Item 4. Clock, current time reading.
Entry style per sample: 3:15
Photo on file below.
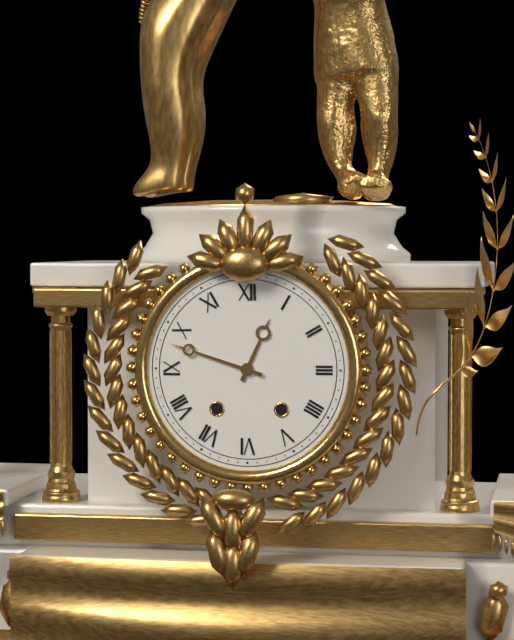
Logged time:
12:48
